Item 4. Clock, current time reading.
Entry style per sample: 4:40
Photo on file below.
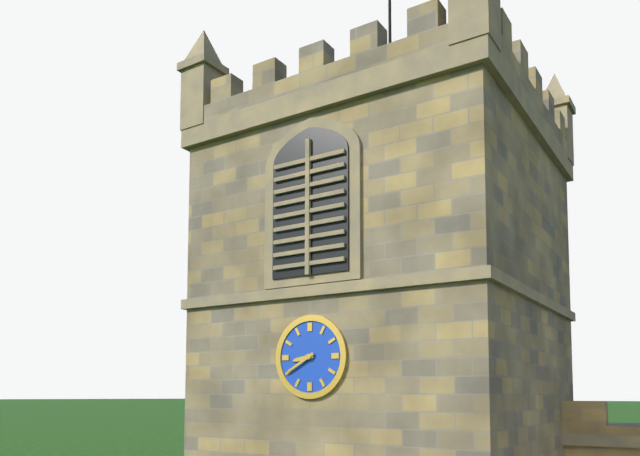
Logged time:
8:40
